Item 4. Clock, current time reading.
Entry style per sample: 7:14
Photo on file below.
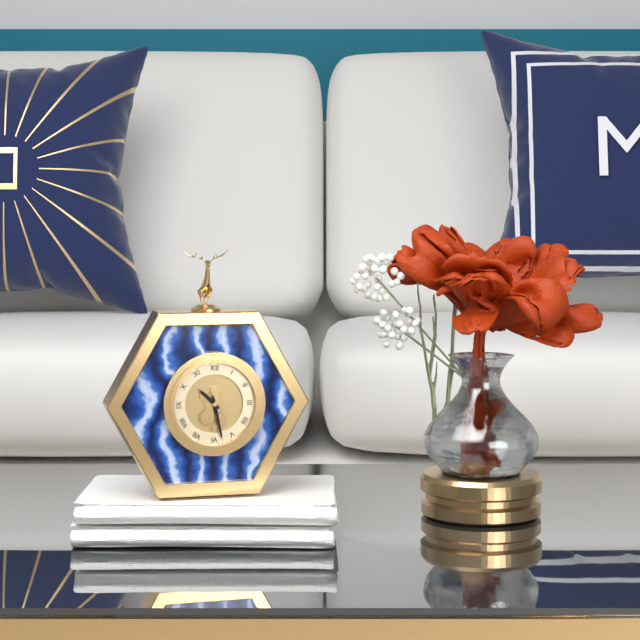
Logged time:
10:28
